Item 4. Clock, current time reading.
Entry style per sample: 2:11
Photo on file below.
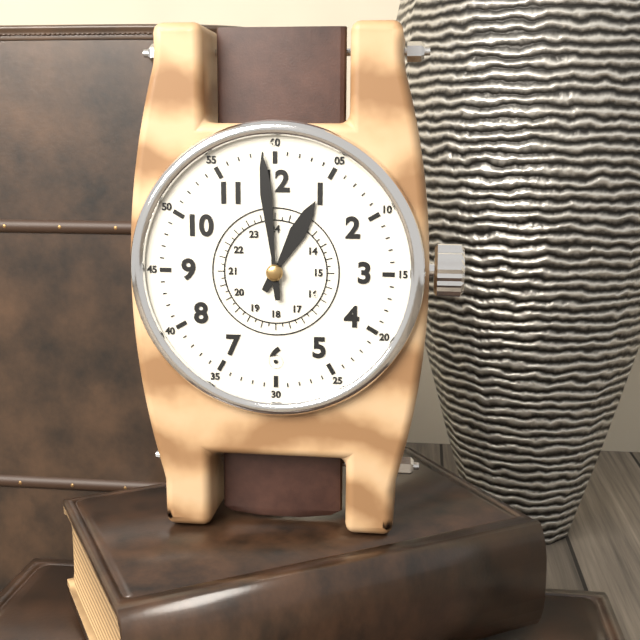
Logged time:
12:59
